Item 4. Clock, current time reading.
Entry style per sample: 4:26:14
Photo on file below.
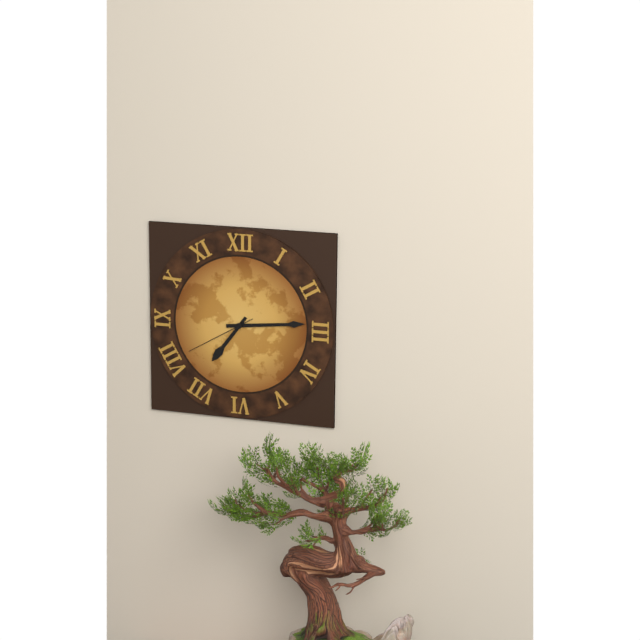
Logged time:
7:14:40
